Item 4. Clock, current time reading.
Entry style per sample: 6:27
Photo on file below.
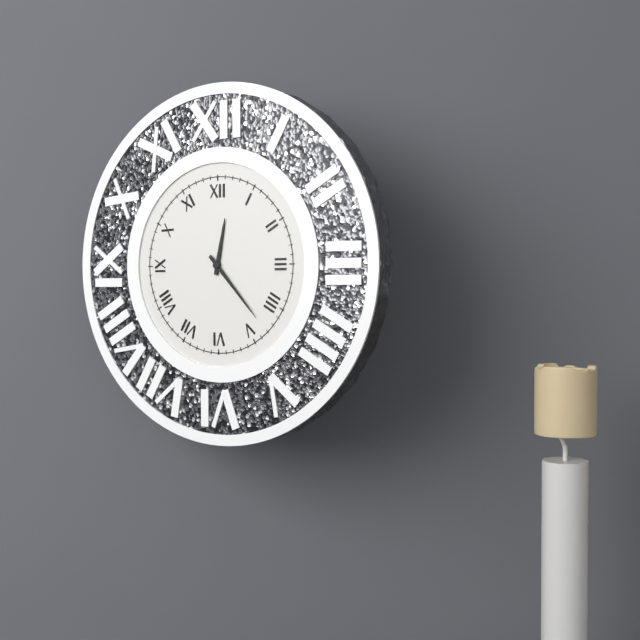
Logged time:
12:23
